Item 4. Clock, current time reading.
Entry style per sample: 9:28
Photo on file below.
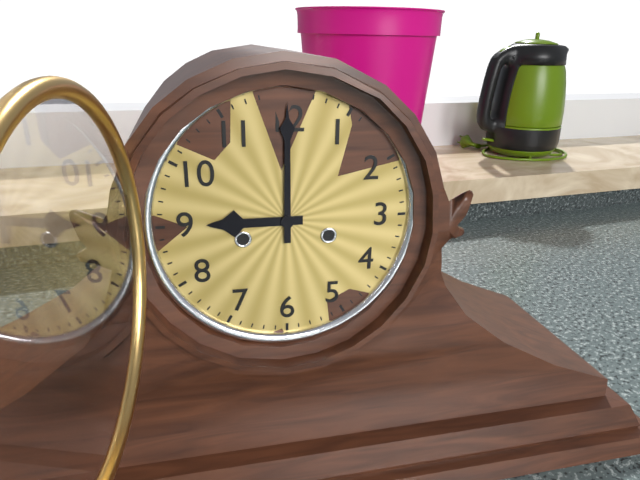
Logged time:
9:00
